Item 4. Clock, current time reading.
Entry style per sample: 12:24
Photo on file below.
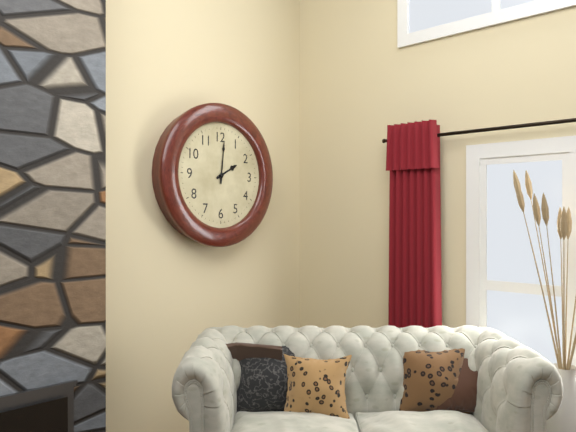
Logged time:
2:01
